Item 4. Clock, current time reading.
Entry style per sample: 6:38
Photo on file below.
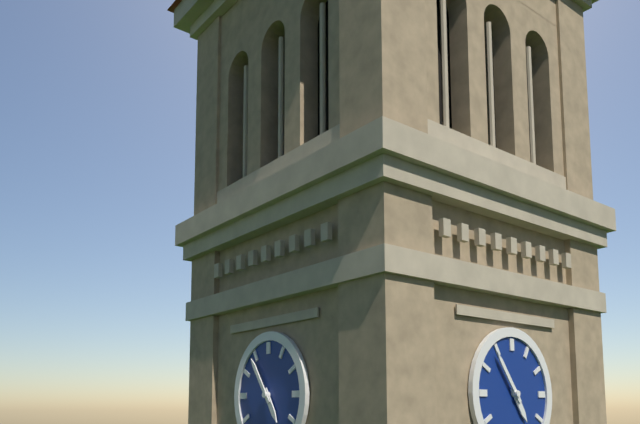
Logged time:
4:54
